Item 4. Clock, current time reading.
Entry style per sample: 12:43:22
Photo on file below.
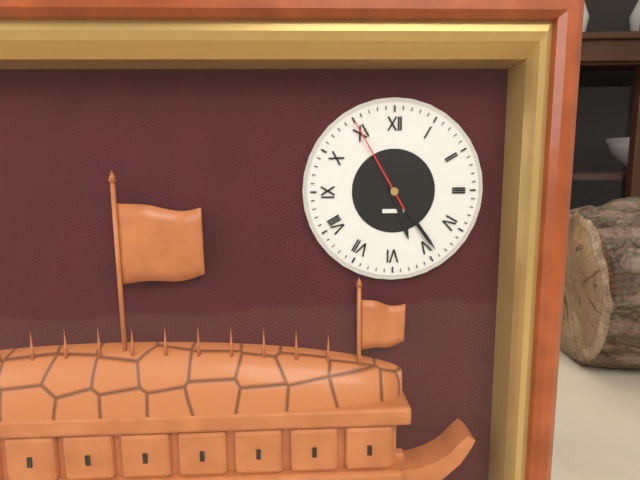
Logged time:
5:24:55
